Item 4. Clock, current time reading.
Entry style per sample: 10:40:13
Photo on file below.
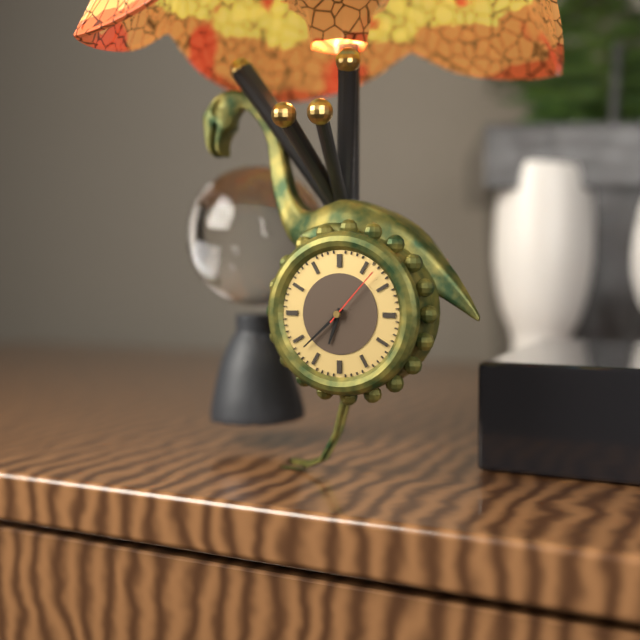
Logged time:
6:38:07
